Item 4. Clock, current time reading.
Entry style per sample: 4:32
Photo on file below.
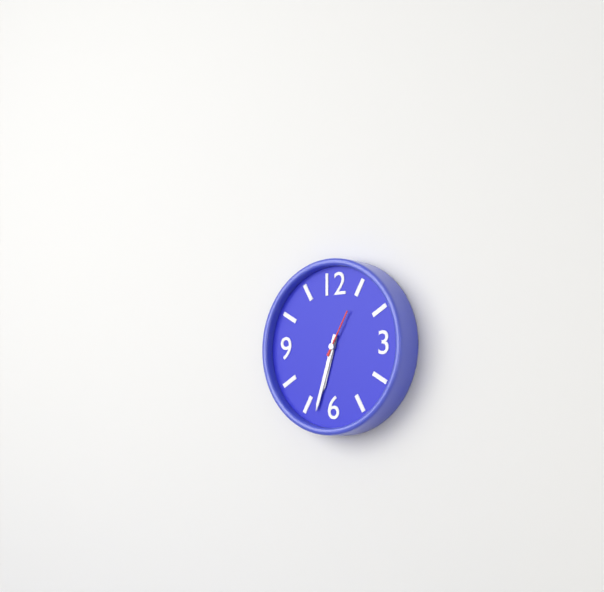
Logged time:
6:33
